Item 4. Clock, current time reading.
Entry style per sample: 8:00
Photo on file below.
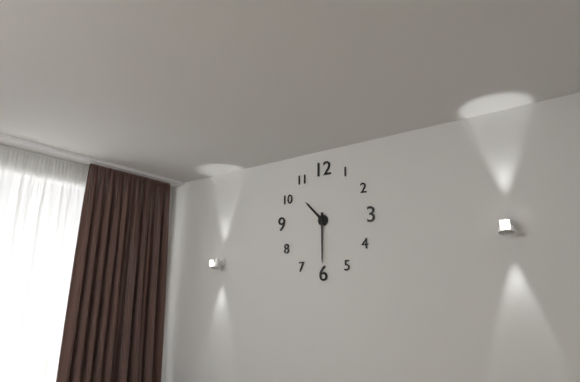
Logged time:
10:30
